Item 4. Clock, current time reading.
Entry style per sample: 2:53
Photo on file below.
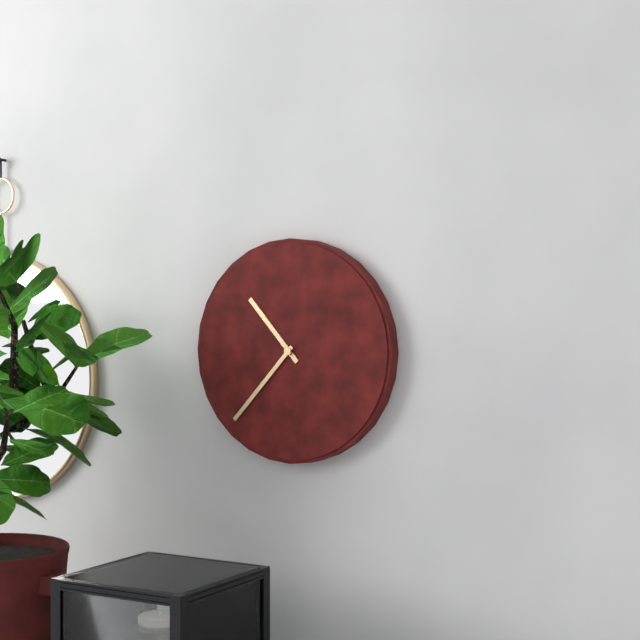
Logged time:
10:37
